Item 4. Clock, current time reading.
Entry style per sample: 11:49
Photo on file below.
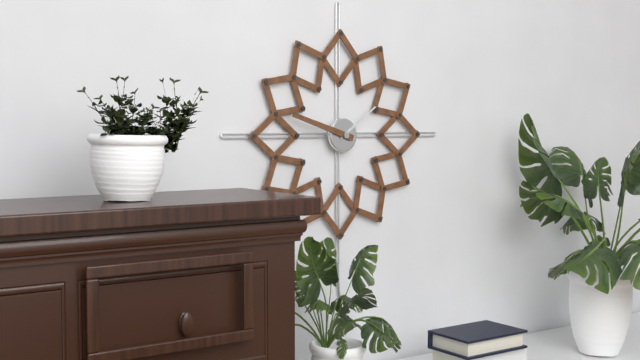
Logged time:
1:48
